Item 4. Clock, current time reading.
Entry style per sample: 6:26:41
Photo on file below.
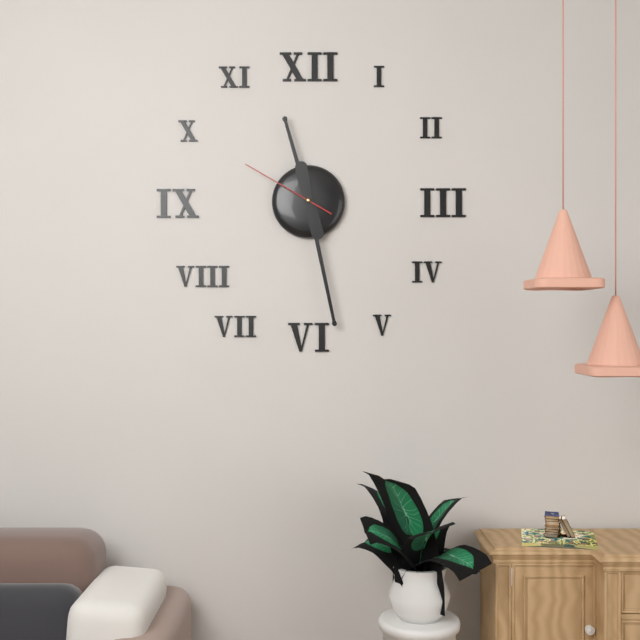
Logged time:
11:28:50
